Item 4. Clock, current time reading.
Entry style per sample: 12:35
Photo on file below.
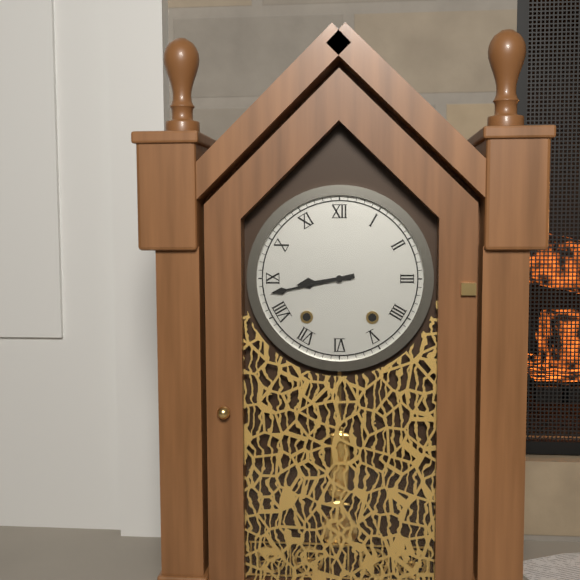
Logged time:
8:43
